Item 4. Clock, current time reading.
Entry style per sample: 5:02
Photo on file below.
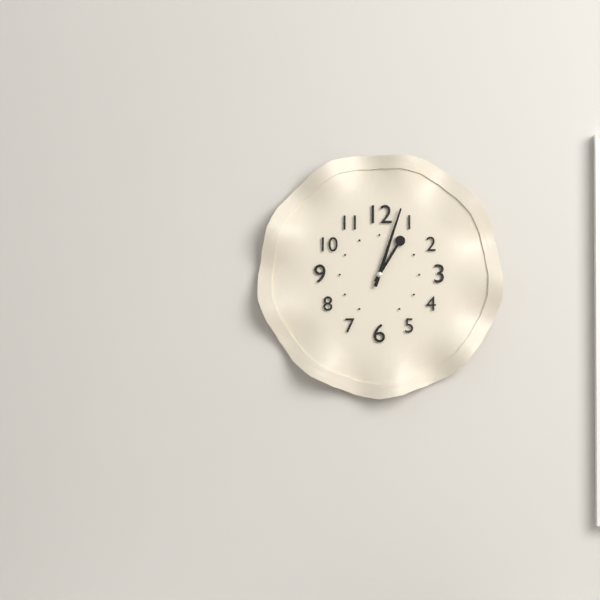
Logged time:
1:03
